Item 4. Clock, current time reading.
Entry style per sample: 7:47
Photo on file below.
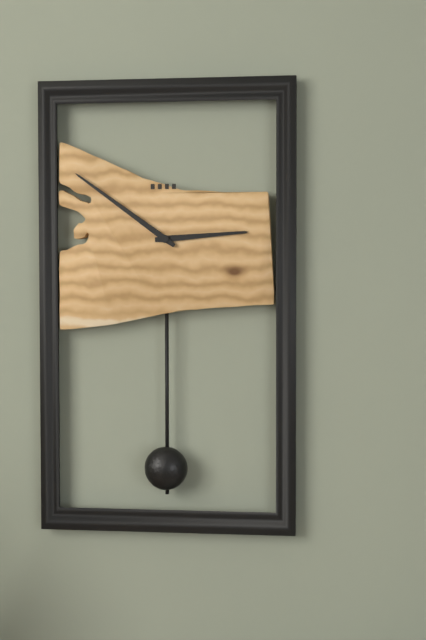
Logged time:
2:51
